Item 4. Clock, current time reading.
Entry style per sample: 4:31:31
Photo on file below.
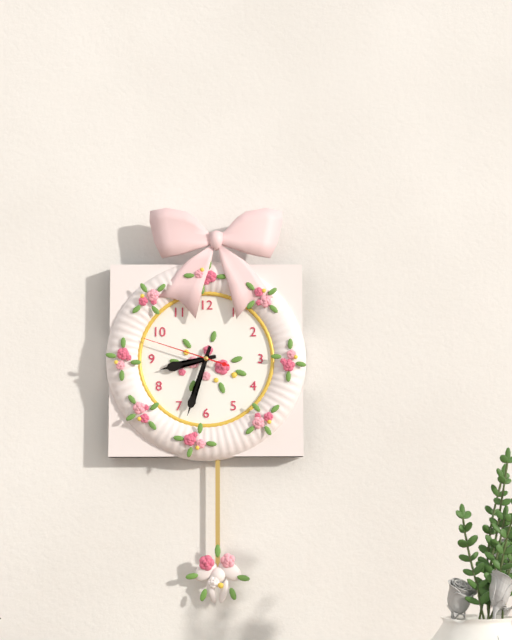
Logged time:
8:33:48
